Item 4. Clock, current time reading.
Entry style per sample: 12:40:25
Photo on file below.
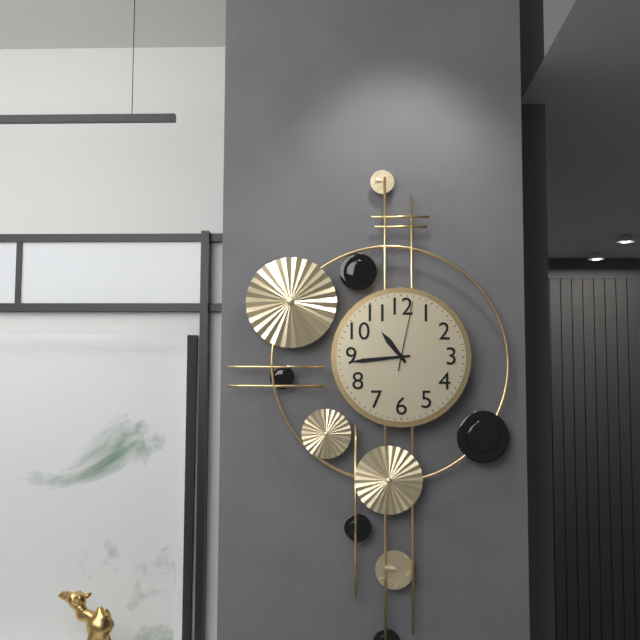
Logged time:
10:44:02
